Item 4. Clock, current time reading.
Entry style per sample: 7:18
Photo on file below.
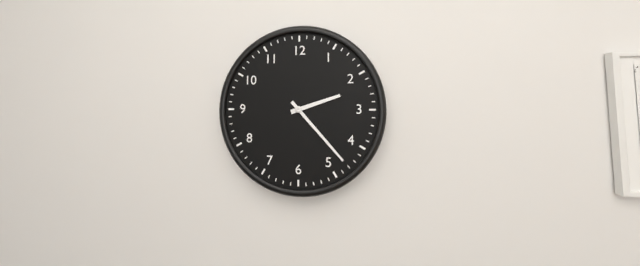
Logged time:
2:23
